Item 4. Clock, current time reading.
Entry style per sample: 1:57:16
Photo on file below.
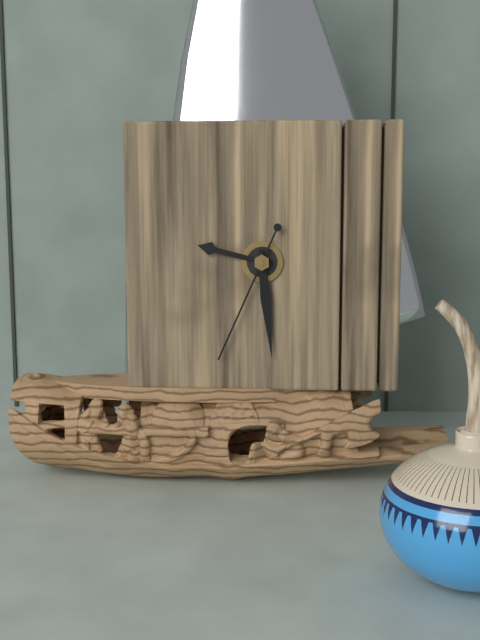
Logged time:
9:29:34
